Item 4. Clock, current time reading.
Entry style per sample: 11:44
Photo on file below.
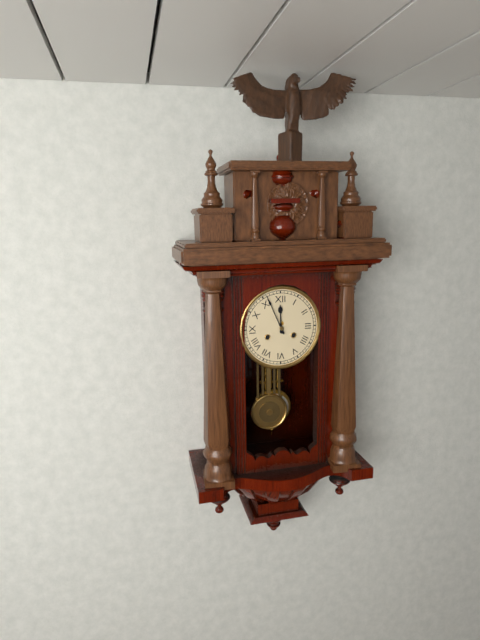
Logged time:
11:56
